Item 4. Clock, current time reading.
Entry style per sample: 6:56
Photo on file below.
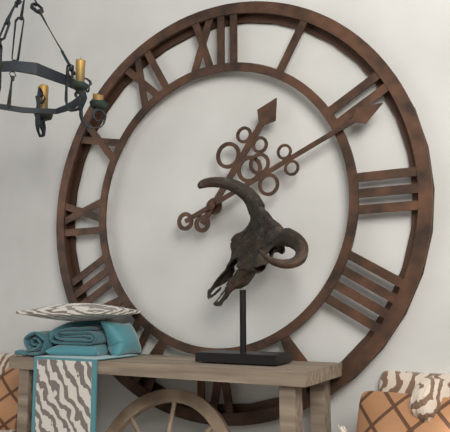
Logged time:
1:11
